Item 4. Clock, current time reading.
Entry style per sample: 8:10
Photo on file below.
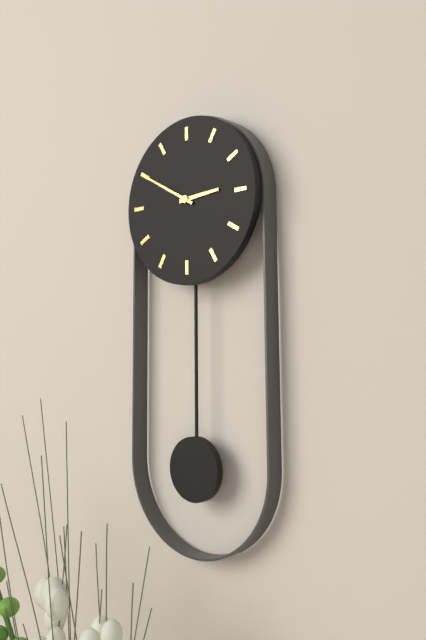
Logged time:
2:50
